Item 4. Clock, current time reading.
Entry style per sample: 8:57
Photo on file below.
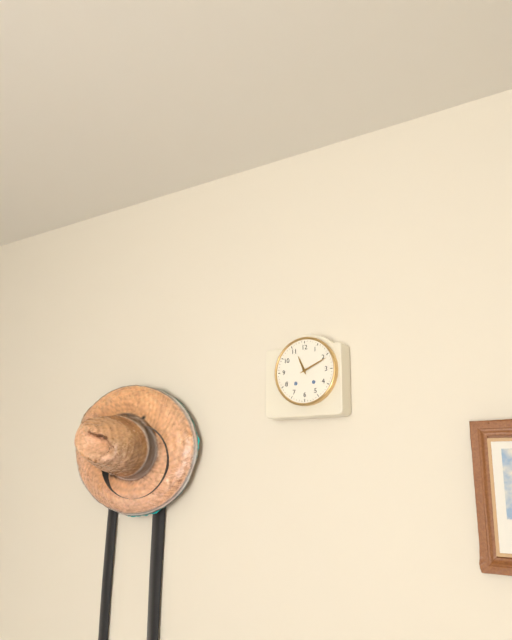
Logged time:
11:11
